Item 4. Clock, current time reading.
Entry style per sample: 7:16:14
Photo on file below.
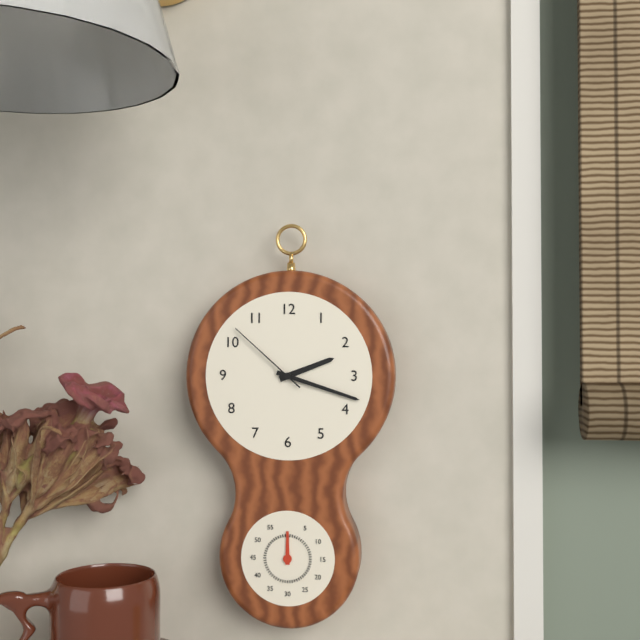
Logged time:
2:18:52
